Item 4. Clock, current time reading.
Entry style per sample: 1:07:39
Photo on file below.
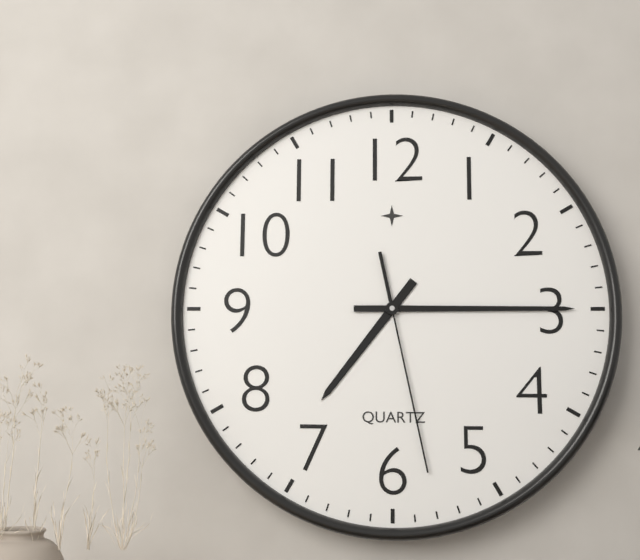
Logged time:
7:15:28
